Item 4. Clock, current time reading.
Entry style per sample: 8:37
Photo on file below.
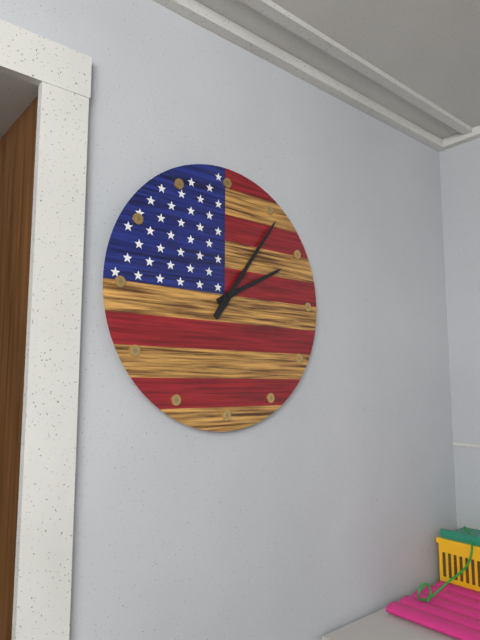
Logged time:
2:06
